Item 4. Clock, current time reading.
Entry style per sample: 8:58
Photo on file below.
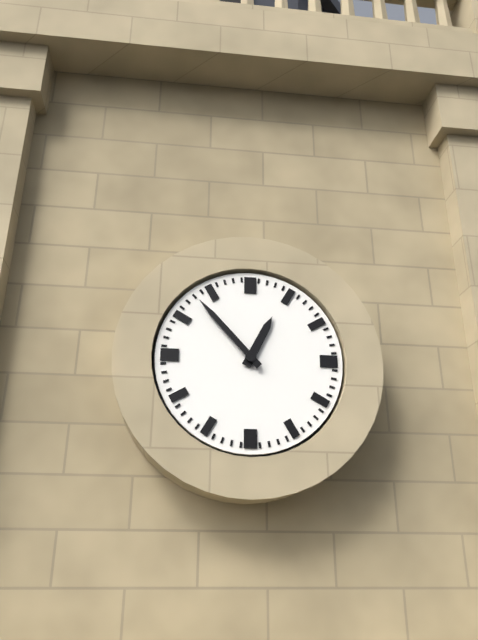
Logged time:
12:53
